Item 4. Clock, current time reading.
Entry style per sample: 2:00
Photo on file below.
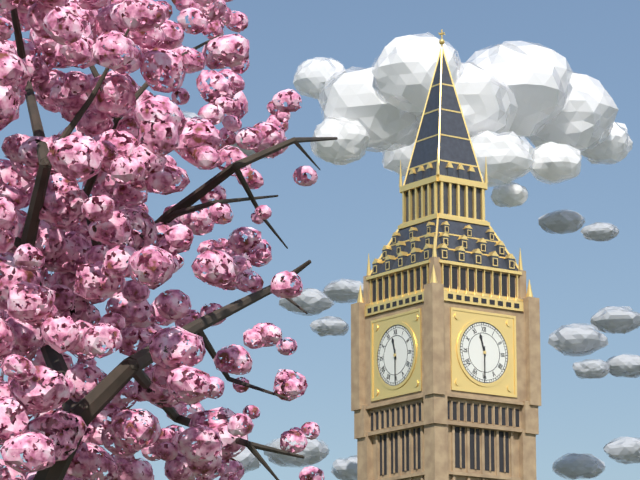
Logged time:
11:30
